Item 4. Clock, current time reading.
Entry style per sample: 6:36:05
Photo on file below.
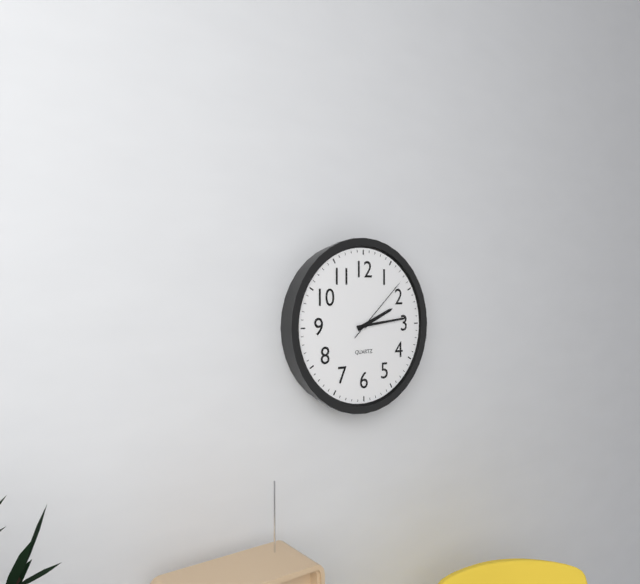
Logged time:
2:14:08
